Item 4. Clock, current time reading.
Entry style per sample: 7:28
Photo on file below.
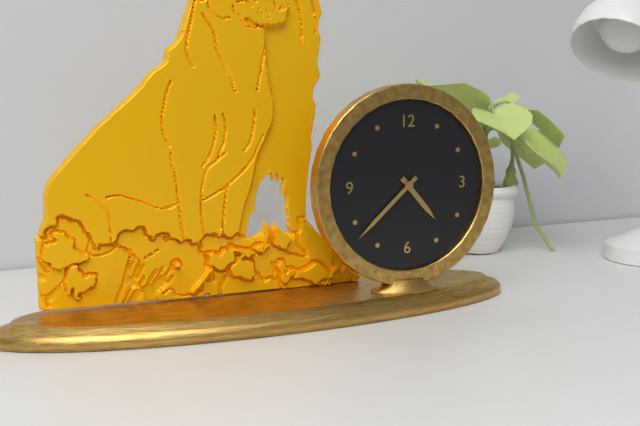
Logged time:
4:38
